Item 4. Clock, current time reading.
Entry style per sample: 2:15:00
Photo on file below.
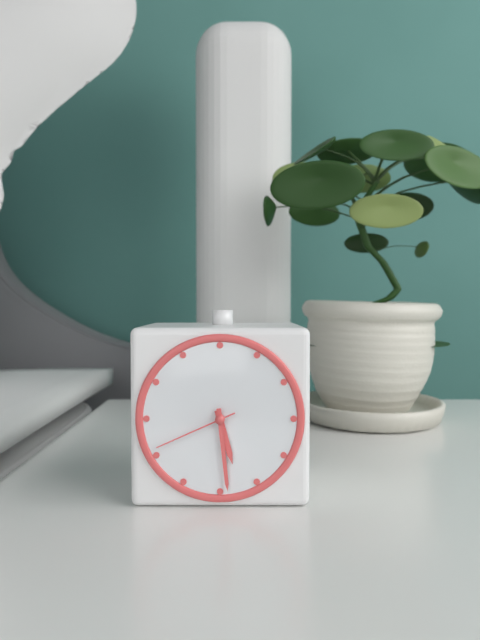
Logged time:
5:29:41
